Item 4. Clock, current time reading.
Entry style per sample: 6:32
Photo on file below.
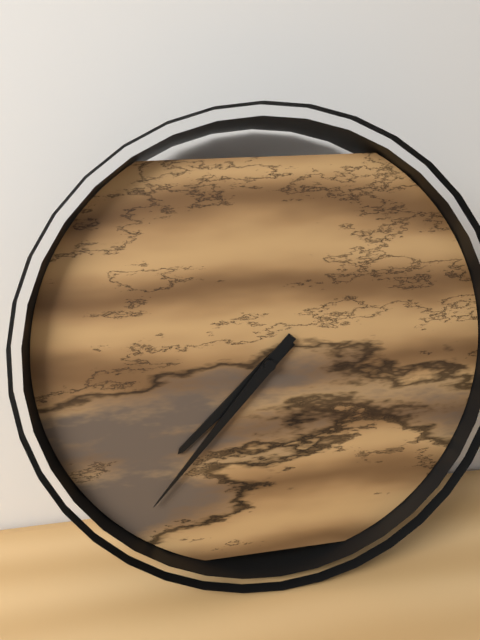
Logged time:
7:37
